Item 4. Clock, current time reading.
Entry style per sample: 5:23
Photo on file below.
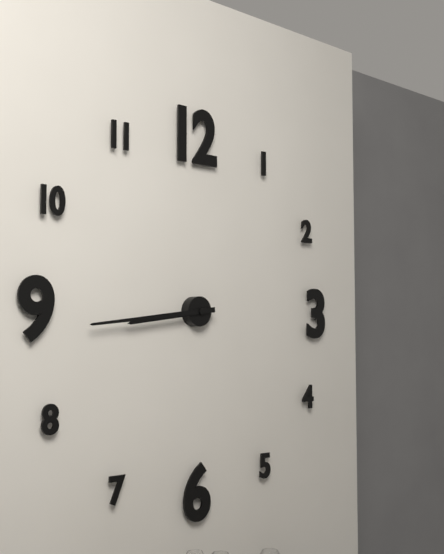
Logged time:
8:44
